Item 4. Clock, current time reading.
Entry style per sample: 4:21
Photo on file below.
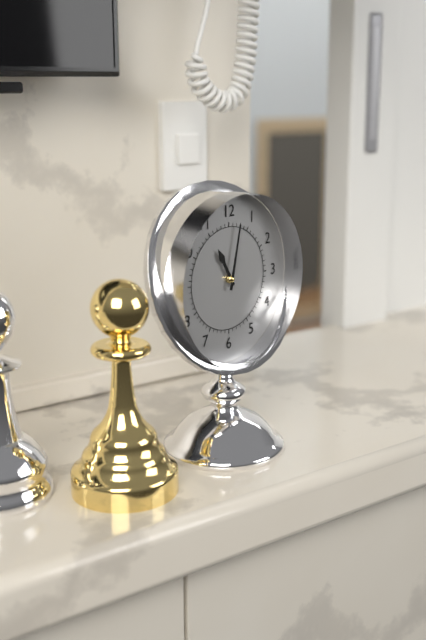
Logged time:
11:02
